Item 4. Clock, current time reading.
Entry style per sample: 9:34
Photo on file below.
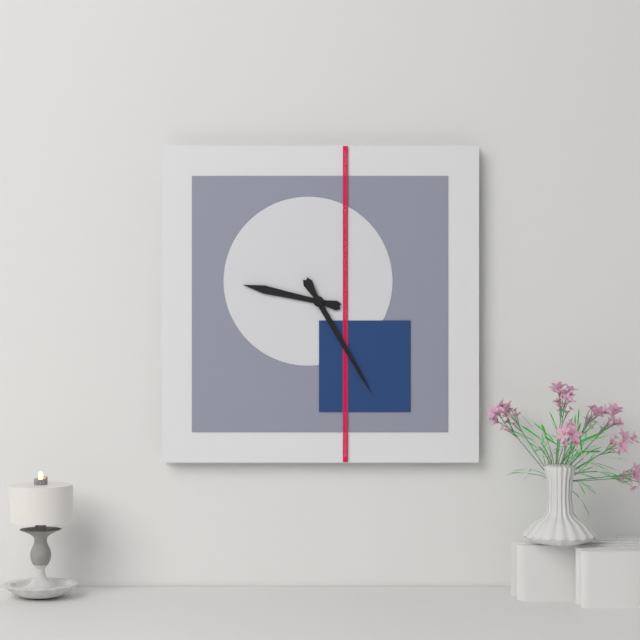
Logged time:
9:25
